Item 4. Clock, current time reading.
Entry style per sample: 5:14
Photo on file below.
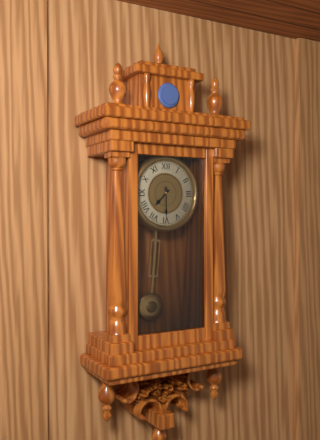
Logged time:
7:30
